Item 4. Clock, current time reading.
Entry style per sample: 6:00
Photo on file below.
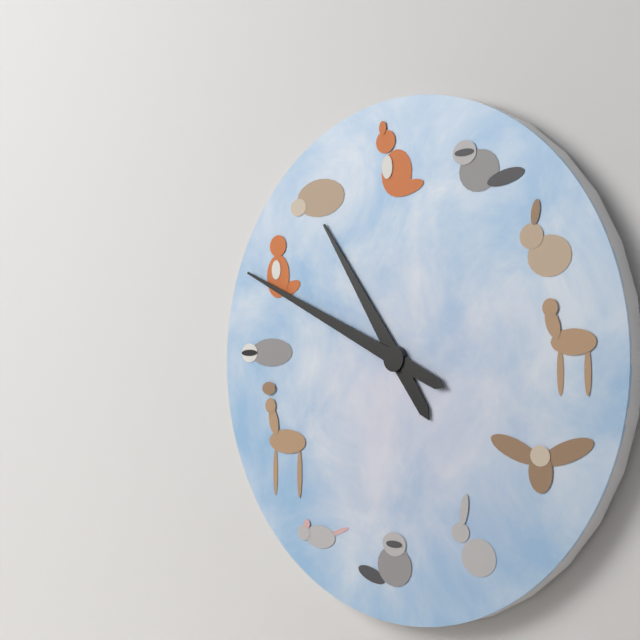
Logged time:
10:49
